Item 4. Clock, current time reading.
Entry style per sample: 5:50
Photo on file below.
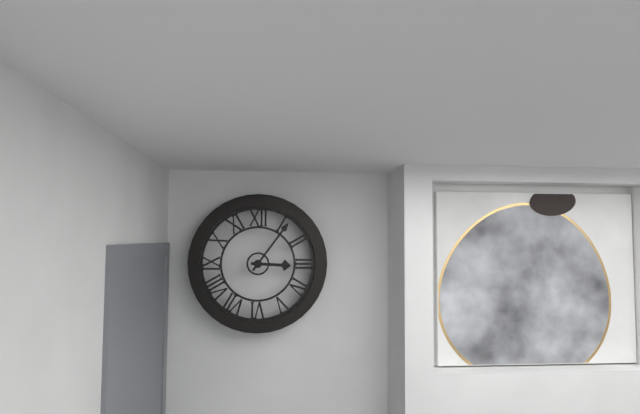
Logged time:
3:06
